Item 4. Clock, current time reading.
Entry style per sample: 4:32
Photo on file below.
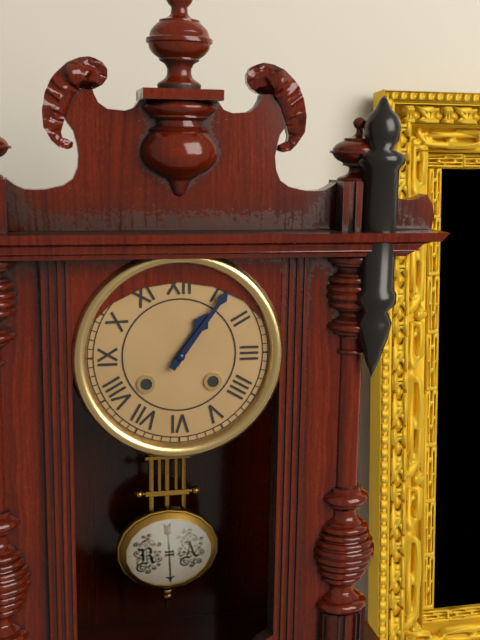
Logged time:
1:06
